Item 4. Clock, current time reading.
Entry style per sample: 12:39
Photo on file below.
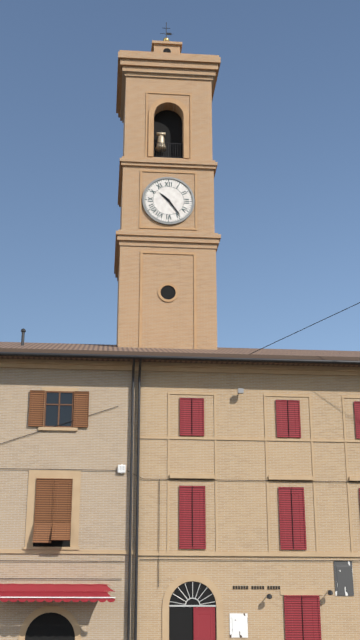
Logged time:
10:24
